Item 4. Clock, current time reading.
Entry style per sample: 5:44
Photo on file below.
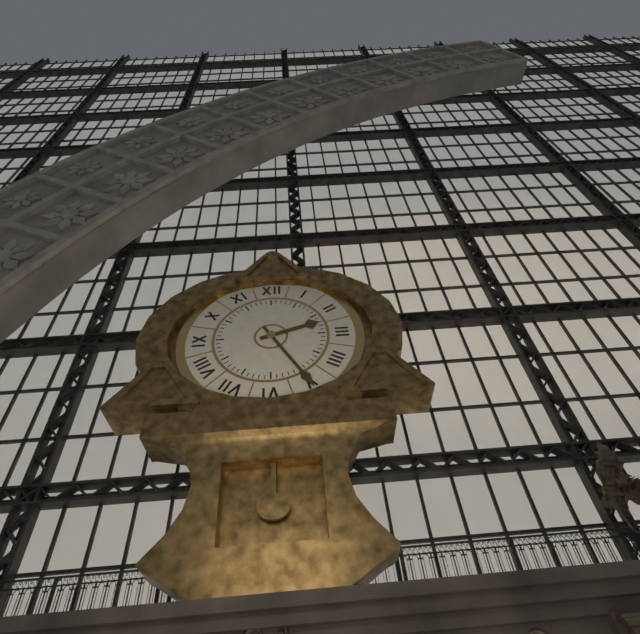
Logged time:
2:25
